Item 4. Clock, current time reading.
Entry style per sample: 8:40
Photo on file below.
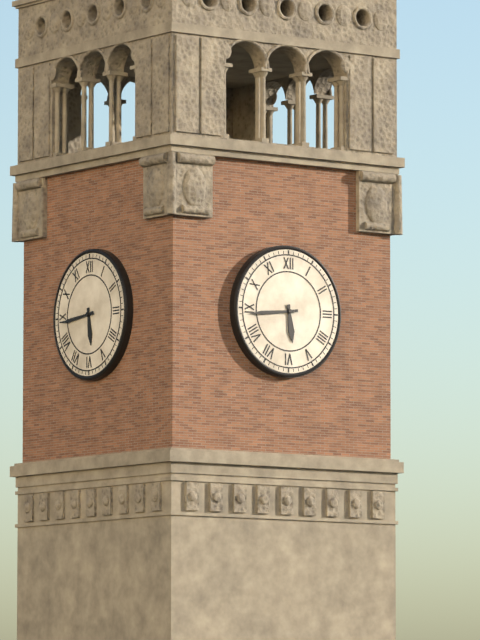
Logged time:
5:44
